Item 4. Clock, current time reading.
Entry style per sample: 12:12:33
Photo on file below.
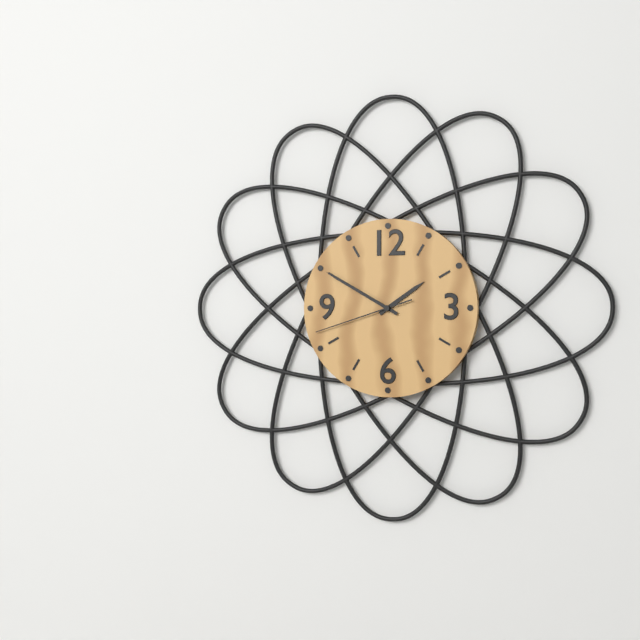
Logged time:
1:50:42
